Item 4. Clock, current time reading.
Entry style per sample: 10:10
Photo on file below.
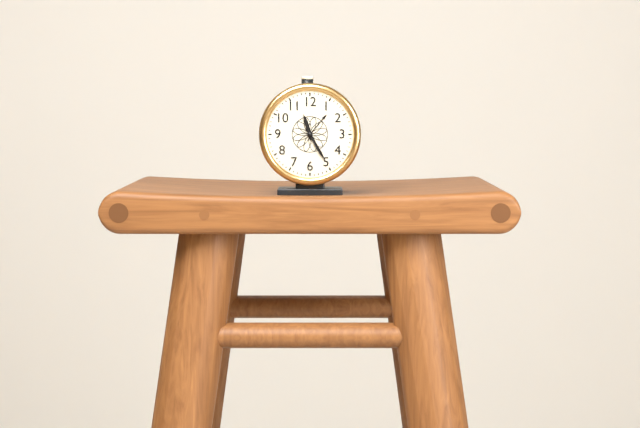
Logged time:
11:25
